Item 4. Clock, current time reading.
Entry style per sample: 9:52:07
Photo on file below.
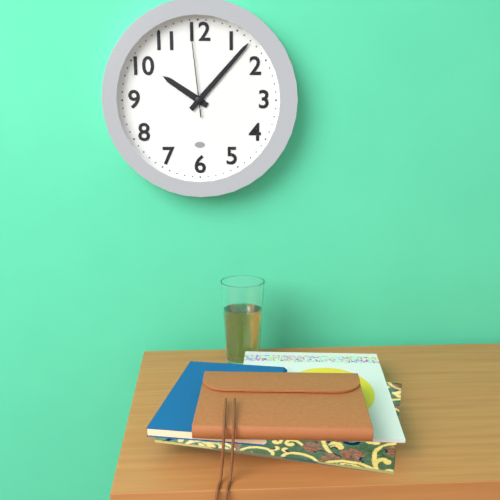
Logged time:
10:07:59
